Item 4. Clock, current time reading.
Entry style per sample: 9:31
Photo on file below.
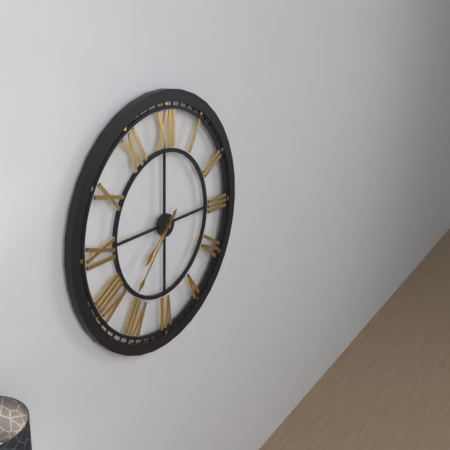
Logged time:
7:37
